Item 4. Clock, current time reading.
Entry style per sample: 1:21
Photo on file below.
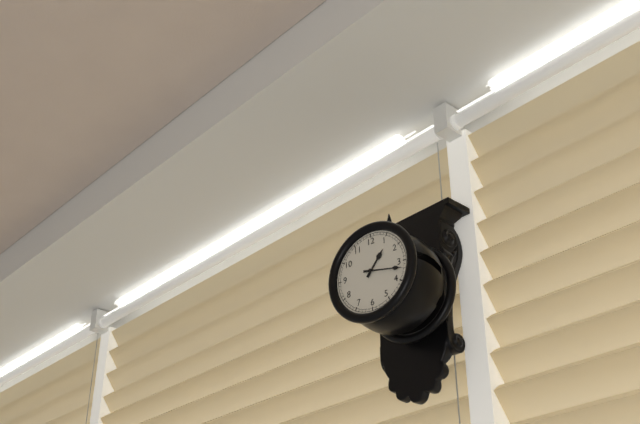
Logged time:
1:17
